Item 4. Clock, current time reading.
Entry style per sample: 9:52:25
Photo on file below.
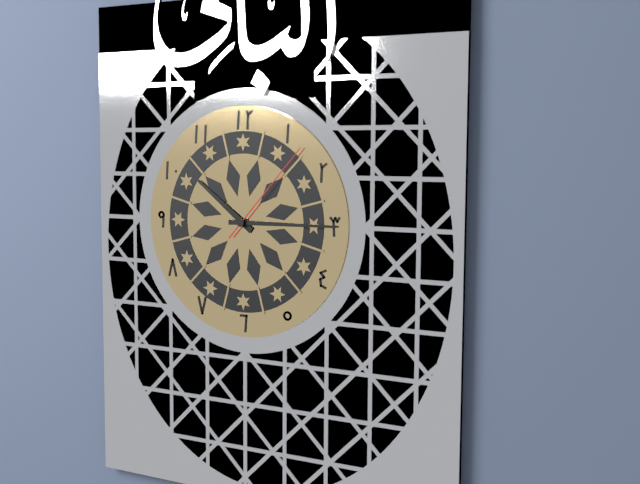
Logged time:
10:15:07
